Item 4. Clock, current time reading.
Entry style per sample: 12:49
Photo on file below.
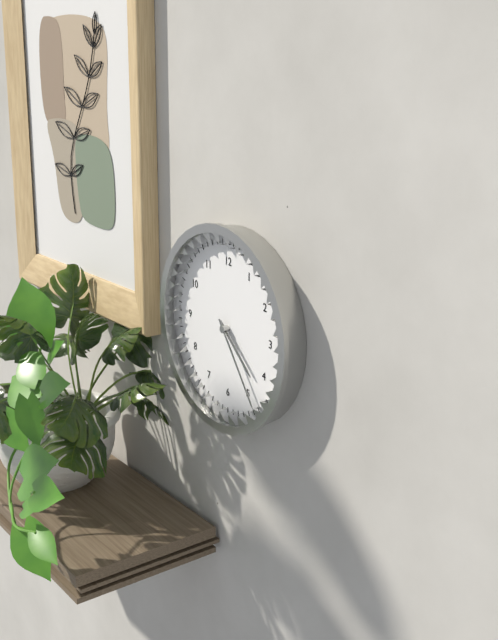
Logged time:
4:24
